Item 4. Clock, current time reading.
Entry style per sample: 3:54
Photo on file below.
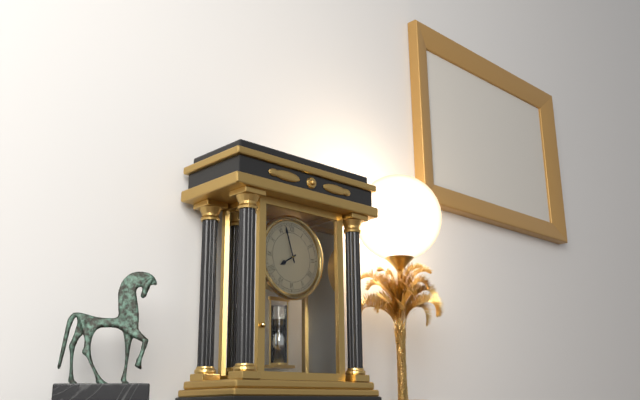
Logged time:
7:57
